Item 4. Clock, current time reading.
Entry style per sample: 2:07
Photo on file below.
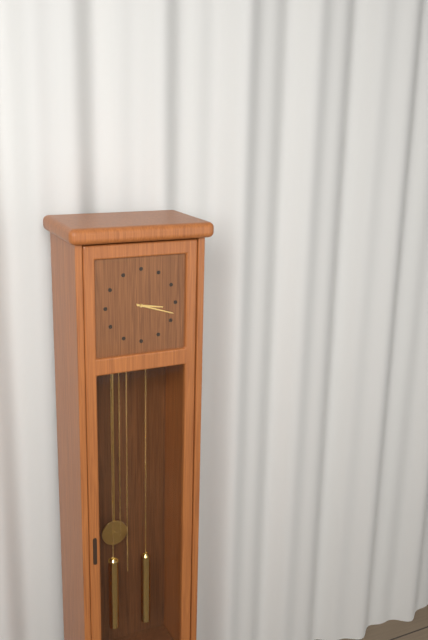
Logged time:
3:18
